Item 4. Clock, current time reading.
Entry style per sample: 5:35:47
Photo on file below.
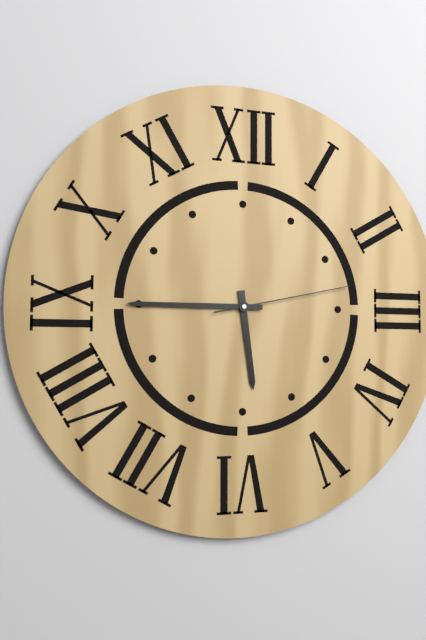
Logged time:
5:45:13
